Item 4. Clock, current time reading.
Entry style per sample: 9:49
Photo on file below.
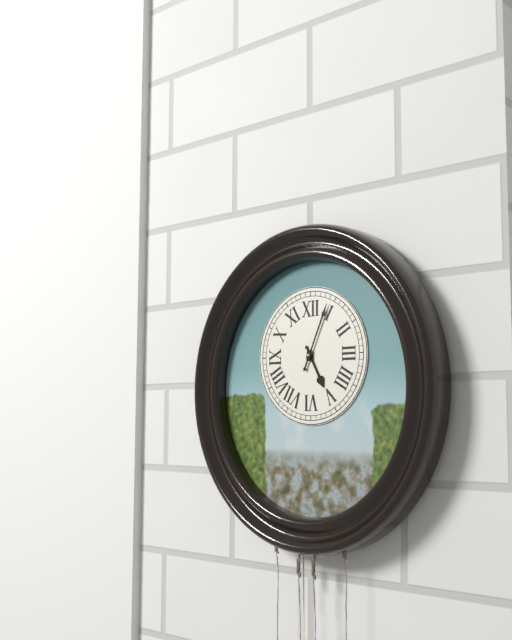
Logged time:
5:04
